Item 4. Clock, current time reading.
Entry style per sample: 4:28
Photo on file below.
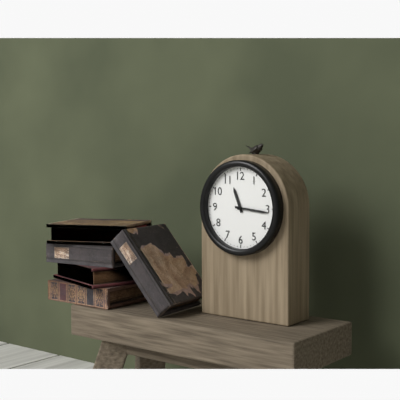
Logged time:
11:16
